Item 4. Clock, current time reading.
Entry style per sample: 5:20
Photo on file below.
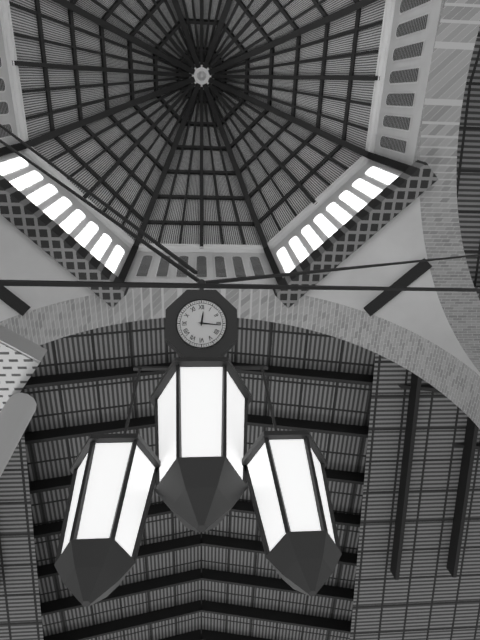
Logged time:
12:16
